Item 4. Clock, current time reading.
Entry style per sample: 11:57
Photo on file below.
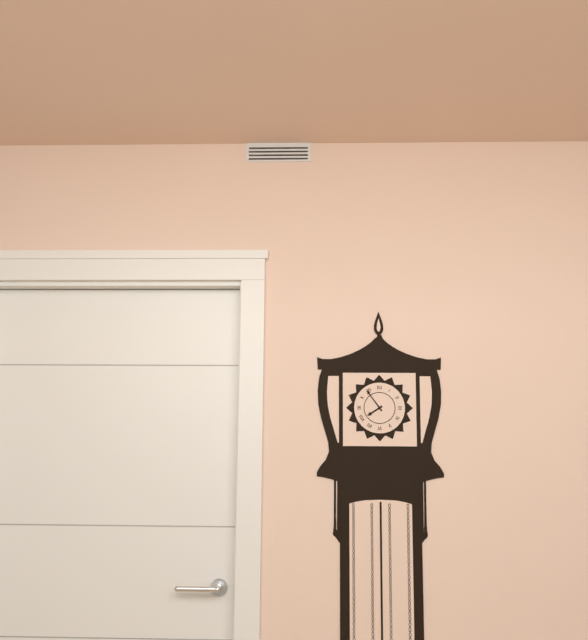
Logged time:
7:54
